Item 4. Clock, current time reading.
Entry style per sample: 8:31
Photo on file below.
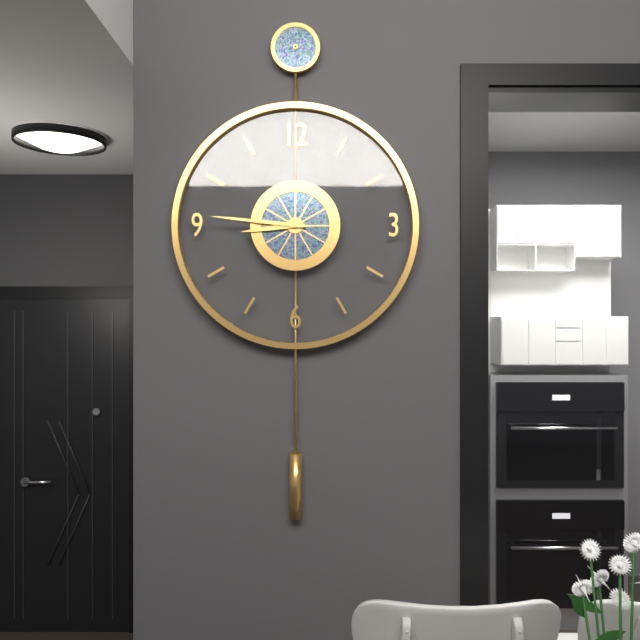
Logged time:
8:46
